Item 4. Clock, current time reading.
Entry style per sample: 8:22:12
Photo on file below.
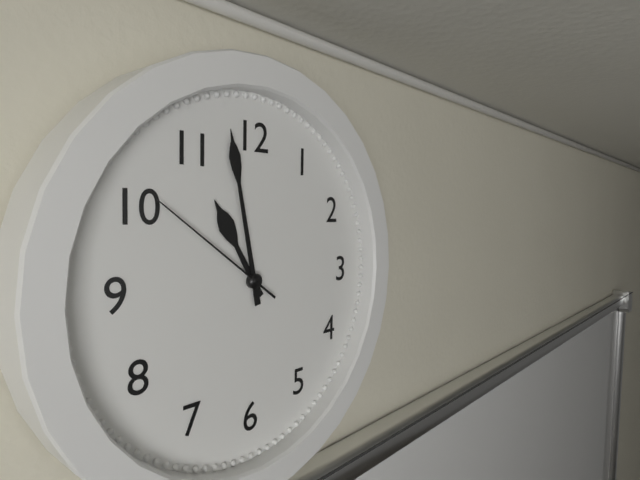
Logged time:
10:58:51
